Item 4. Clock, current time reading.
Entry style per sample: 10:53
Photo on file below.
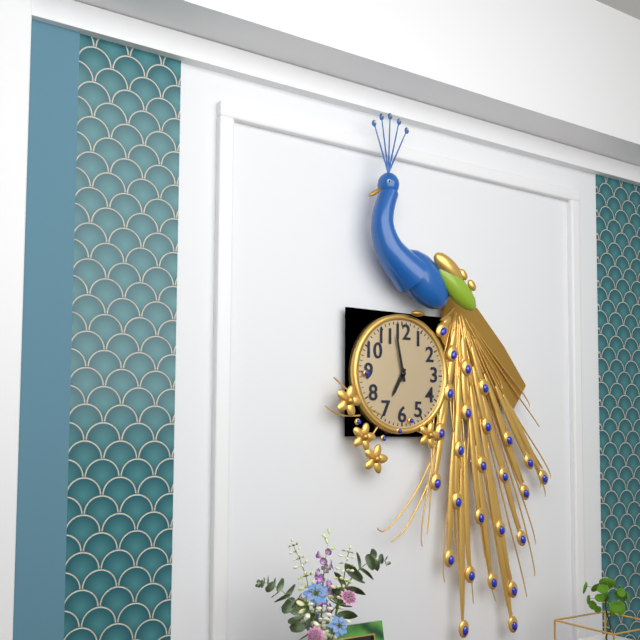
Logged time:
6:58
